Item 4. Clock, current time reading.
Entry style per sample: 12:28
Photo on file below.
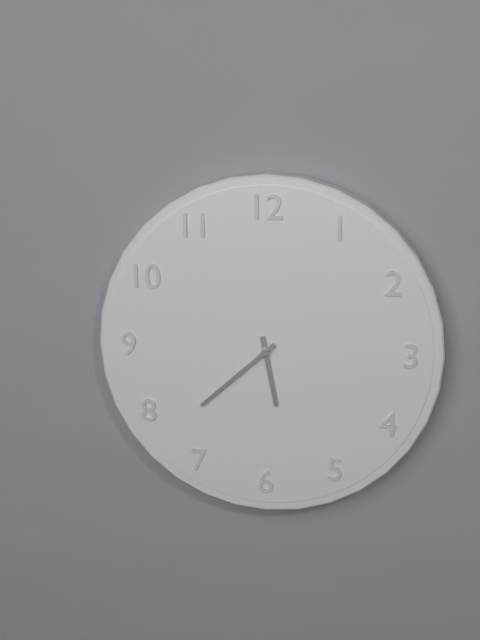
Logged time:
5:38
